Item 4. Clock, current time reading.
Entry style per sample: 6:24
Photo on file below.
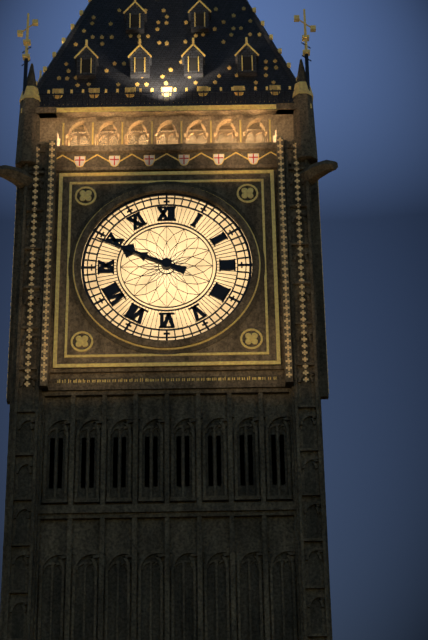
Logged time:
9:49
